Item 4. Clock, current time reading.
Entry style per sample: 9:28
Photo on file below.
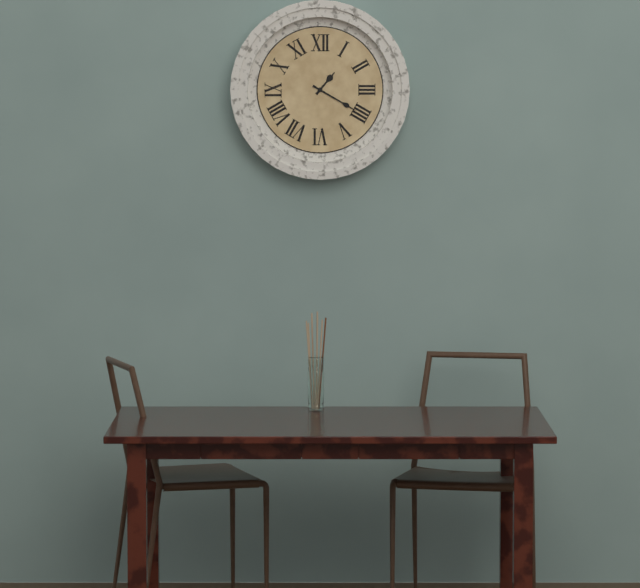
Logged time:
1:20
